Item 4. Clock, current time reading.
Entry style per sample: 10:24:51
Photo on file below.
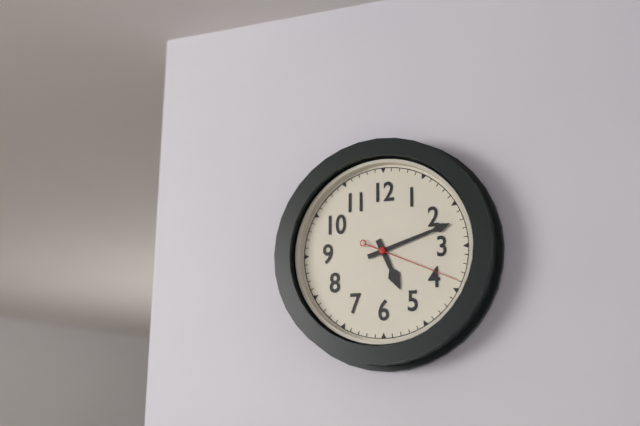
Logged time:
5:12:19
